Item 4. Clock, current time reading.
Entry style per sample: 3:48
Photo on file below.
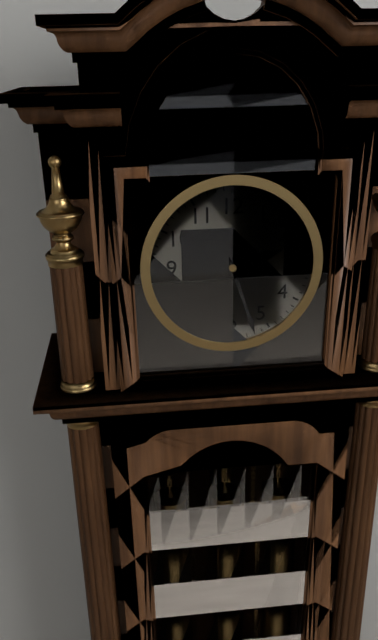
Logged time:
2:27
